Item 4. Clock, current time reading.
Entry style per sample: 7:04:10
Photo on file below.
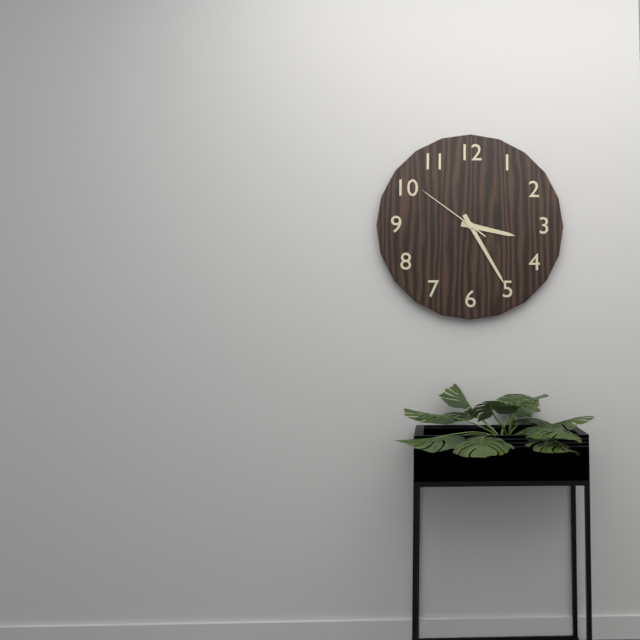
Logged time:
3:25:51
